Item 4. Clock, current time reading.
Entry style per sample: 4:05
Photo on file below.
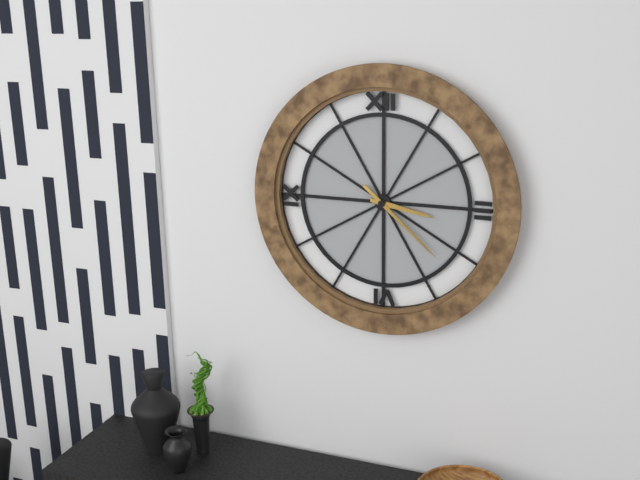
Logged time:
3:22
